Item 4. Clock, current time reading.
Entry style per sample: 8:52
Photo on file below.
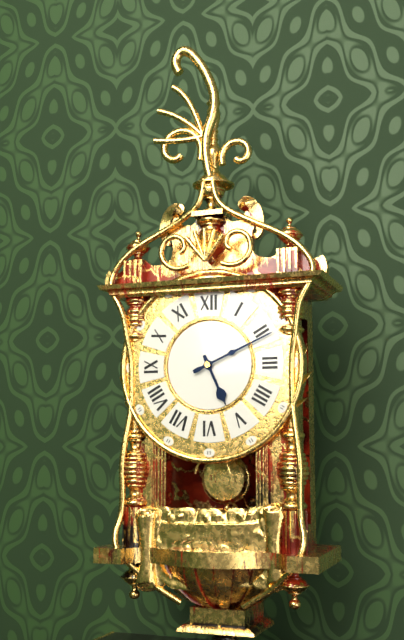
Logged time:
5:11
